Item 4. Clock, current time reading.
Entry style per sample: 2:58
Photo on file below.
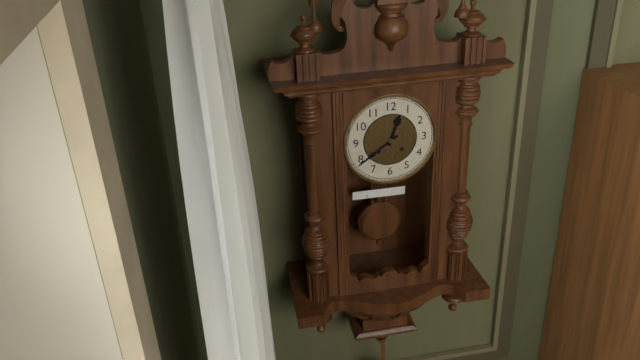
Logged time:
12:39
